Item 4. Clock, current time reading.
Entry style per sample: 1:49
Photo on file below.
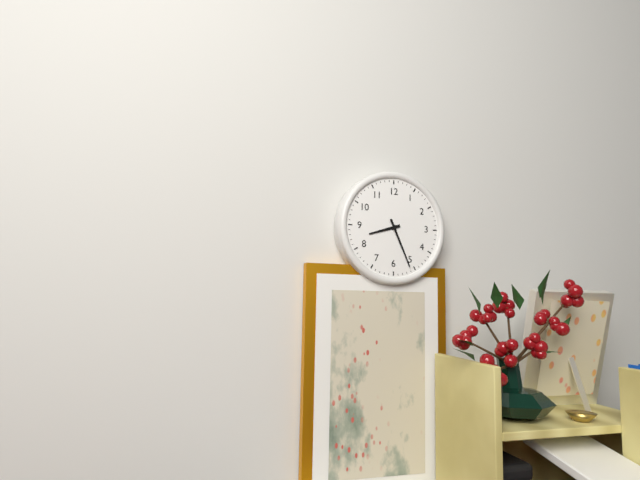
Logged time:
8:26
